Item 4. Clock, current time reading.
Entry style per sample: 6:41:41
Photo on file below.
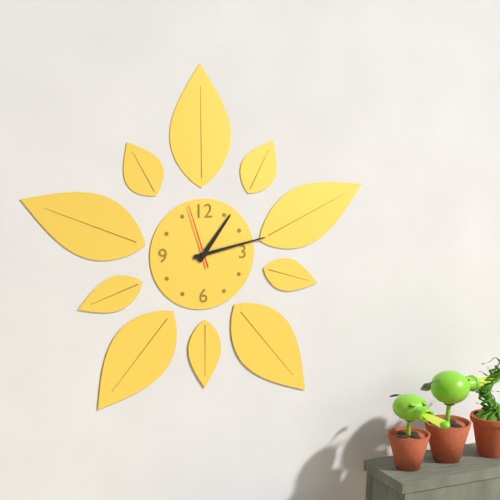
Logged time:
1:13:57
